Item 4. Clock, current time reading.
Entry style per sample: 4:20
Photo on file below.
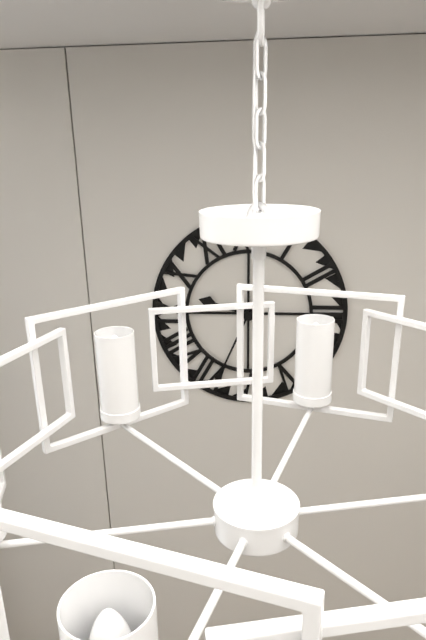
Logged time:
9:34
